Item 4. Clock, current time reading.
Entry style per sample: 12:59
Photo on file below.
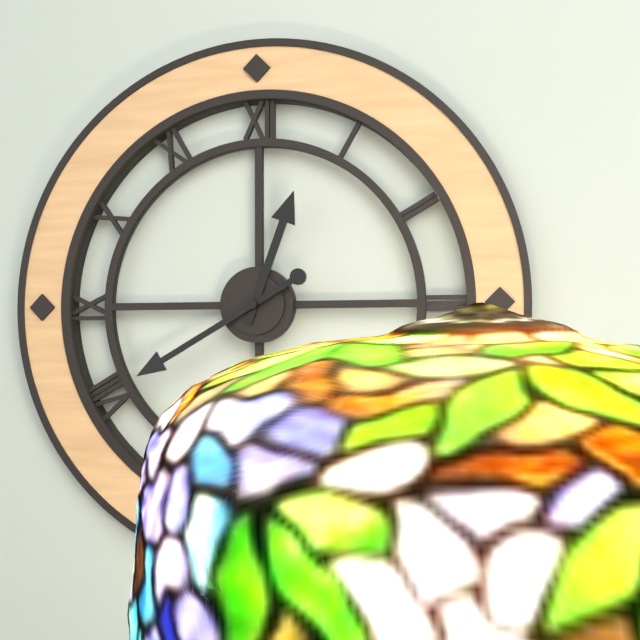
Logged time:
12:40
